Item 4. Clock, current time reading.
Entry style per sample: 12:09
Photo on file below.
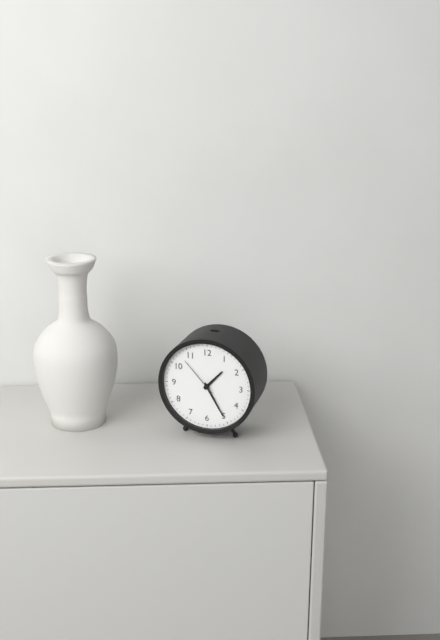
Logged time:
1:25
